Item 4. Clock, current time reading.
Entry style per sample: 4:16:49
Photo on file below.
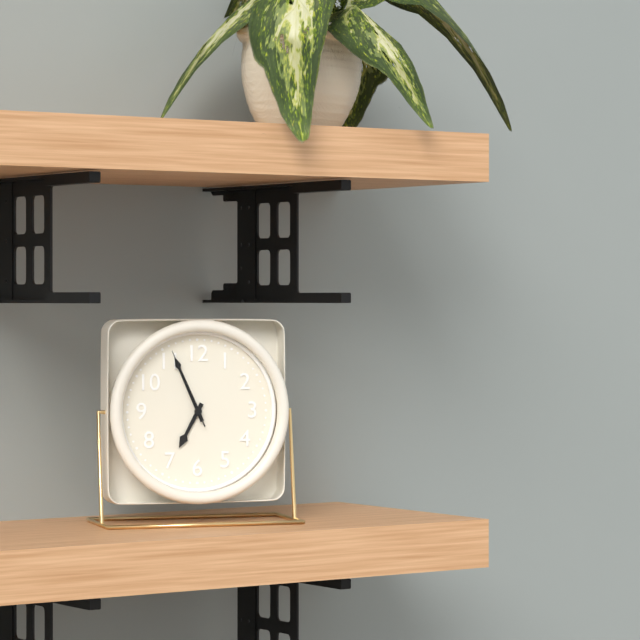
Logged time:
6:56:56
